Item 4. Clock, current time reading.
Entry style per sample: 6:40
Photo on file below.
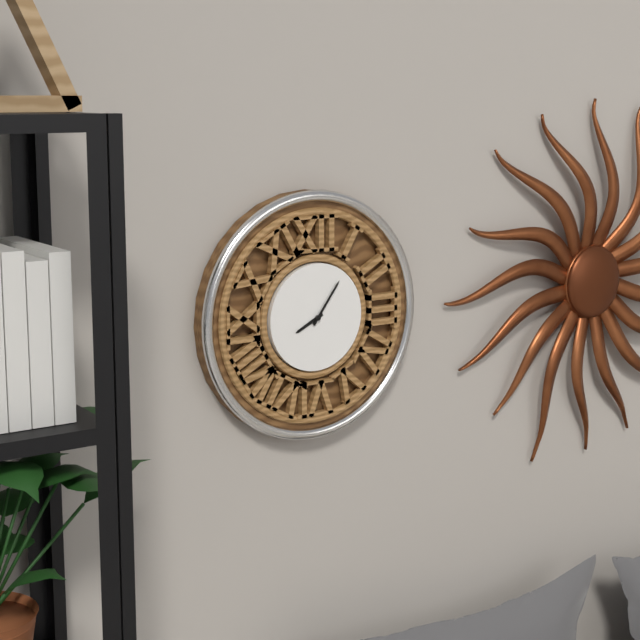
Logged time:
8:06
